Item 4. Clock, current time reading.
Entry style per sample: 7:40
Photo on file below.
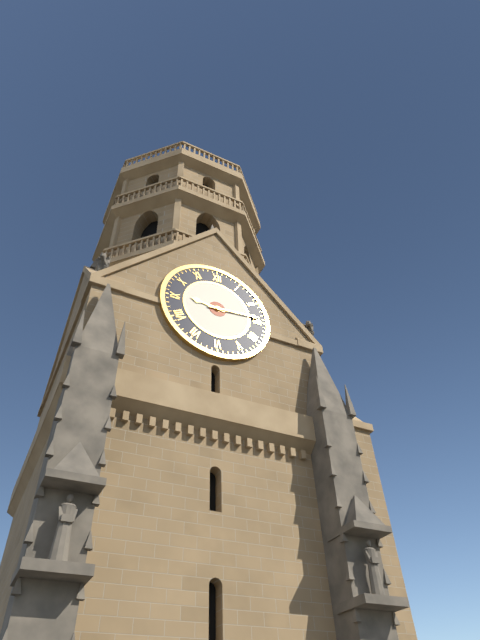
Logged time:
9:14
